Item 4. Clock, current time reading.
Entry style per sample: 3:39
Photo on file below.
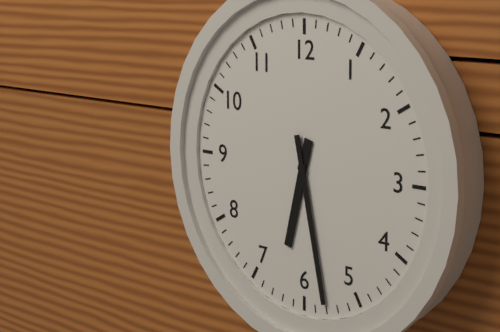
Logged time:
6:28
